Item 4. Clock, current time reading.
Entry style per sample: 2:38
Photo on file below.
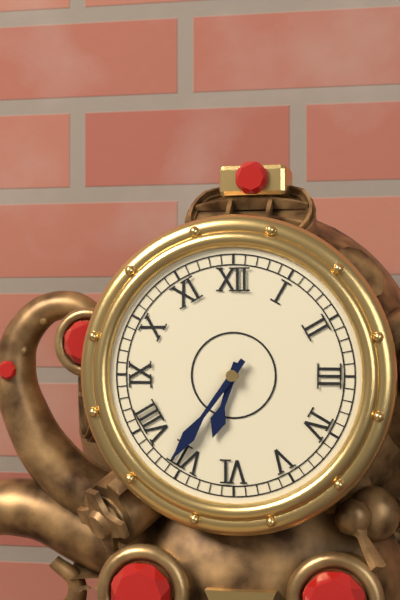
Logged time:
6:36
